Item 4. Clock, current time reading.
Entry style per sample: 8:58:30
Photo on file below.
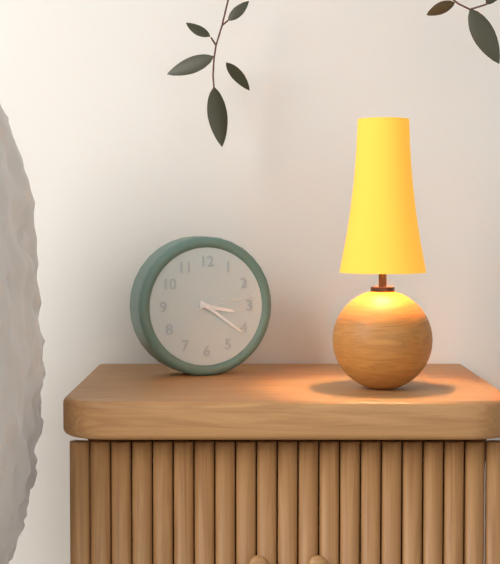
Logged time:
3:21:13
